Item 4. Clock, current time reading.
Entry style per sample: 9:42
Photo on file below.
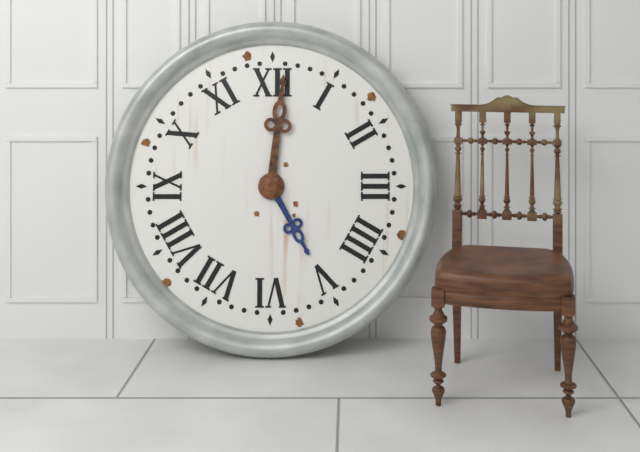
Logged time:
5:01
